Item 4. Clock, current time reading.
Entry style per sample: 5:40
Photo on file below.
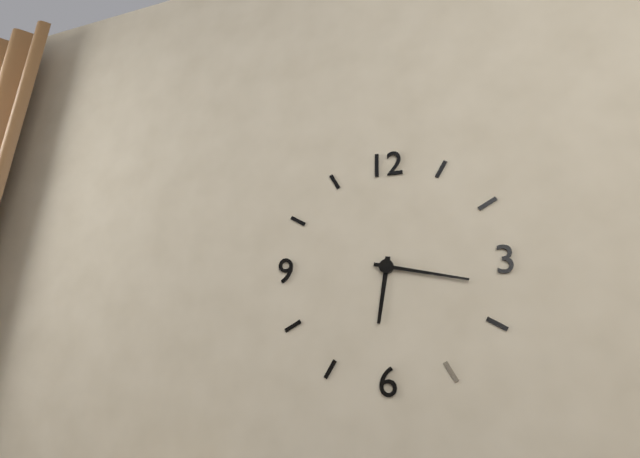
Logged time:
6:17
